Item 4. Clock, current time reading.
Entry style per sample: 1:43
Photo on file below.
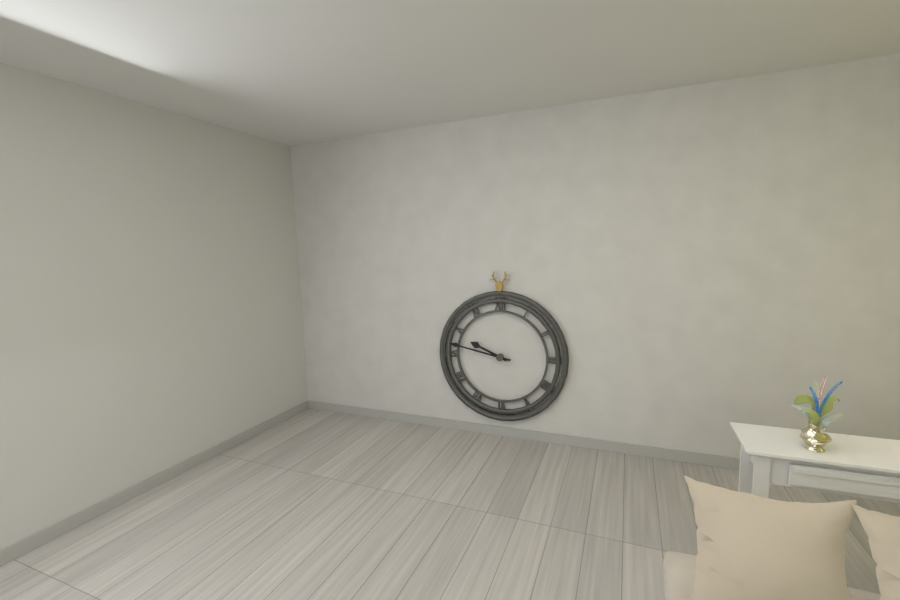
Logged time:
9:47
